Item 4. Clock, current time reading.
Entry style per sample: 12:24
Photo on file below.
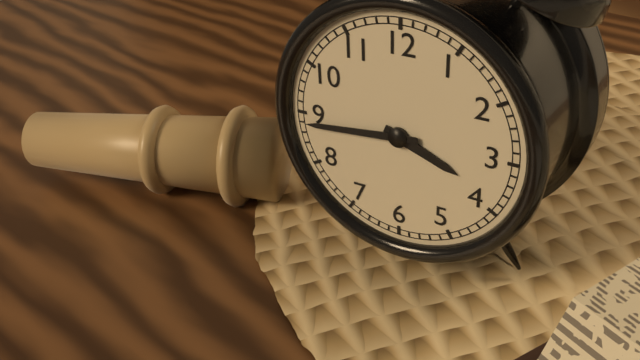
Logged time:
3:44
